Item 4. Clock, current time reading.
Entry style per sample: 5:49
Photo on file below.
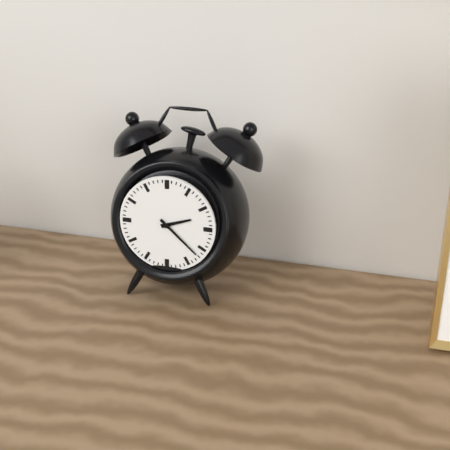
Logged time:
2:22
